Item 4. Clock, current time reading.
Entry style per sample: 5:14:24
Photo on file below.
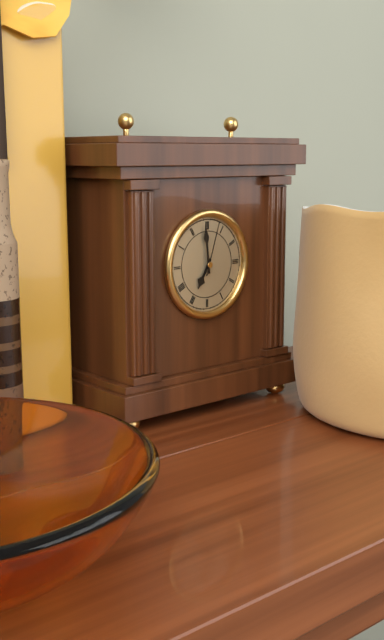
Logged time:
6:59:03
